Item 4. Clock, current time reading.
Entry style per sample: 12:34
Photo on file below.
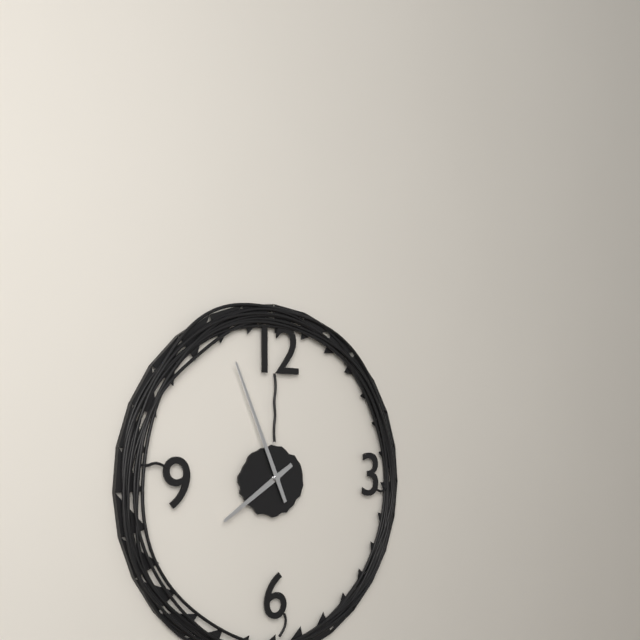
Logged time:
7:56
